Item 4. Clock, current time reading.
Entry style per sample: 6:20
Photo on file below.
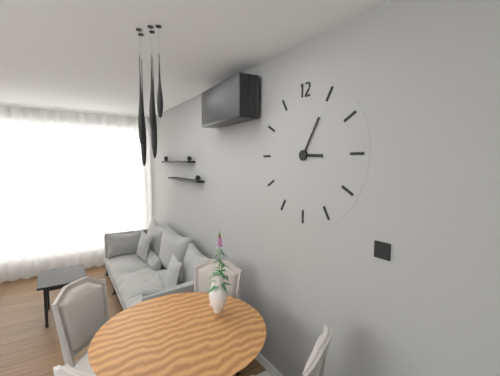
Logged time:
3:05
